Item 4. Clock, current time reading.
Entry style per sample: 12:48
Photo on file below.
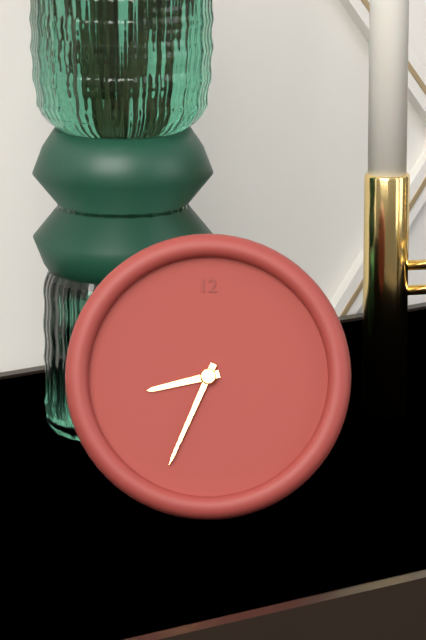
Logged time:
8:34
